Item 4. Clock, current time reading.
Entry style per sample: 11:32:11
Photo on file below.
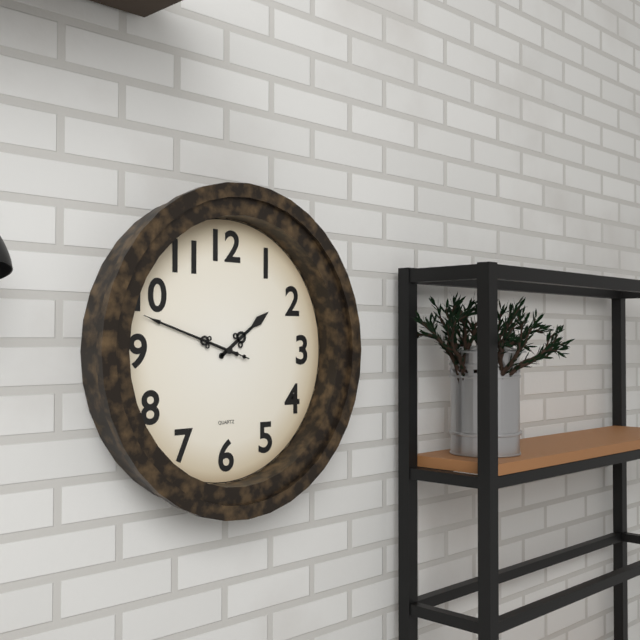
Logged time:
1:48:48
